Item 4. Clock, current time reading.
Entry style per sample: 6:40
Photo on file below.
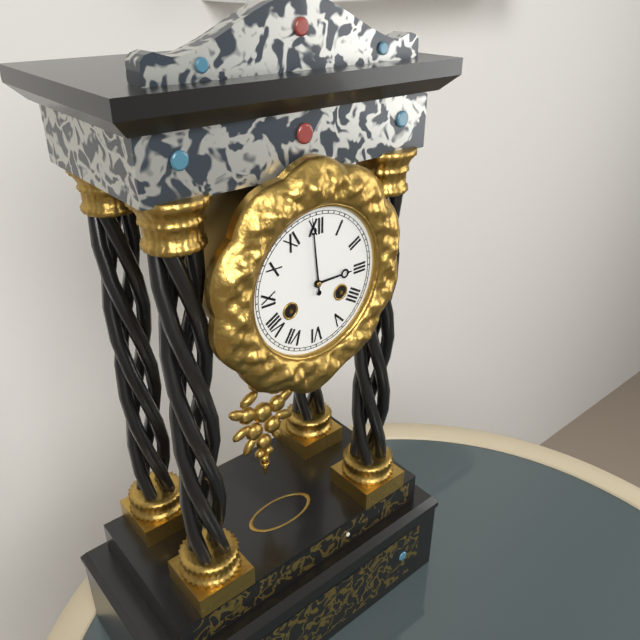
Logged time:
2:59
